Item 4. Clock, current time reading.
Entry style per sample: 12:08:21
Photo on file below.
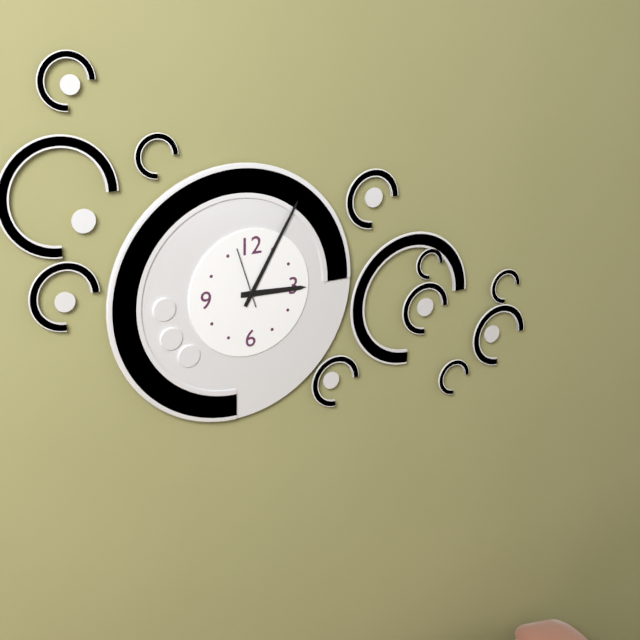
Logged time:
3:05:57
